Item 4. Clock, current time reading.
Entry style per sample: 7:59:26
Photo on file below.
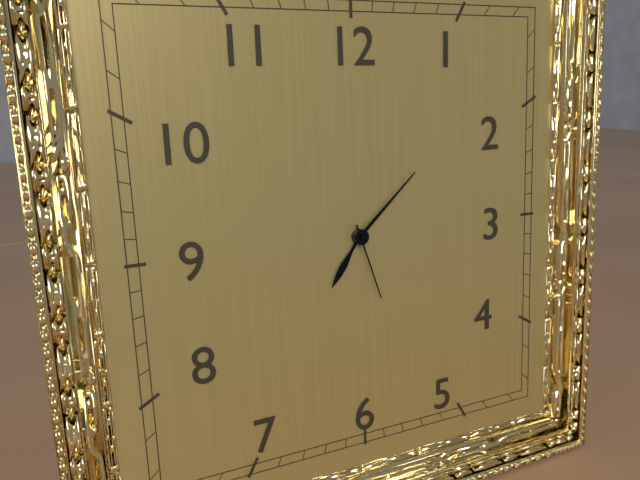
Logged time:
7:08:27
